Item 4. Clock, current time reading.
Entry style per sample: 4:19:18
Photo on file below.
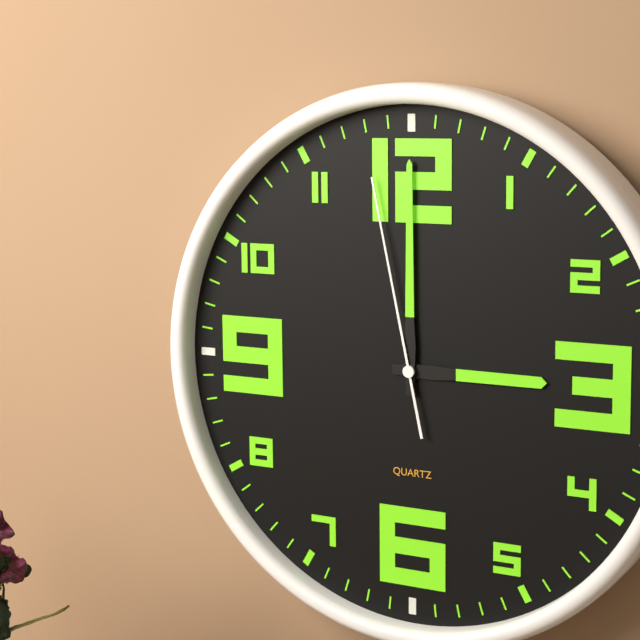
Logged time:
3:00:58
